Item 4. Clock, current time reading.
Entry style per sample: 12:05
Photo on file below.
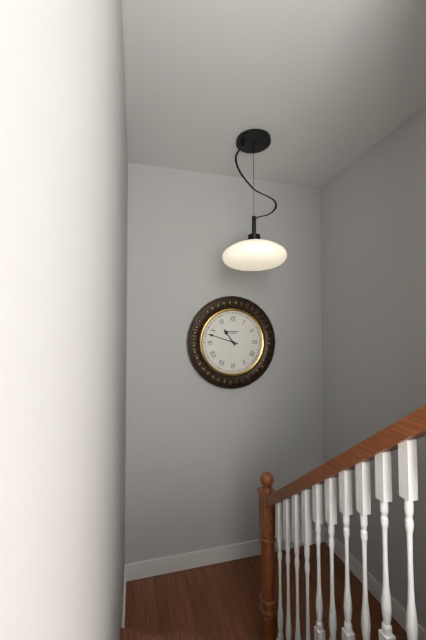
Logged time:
10:48
